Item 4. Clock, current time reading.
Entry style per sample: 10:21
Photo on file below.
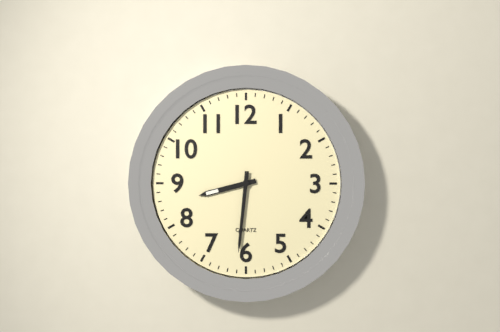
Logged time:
8:31
